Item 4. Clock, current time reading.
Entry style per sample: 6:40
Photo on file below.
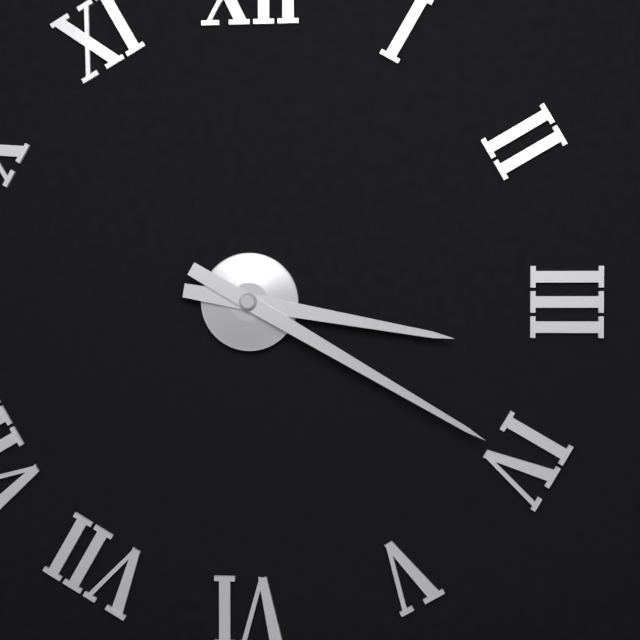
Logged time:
3:20
